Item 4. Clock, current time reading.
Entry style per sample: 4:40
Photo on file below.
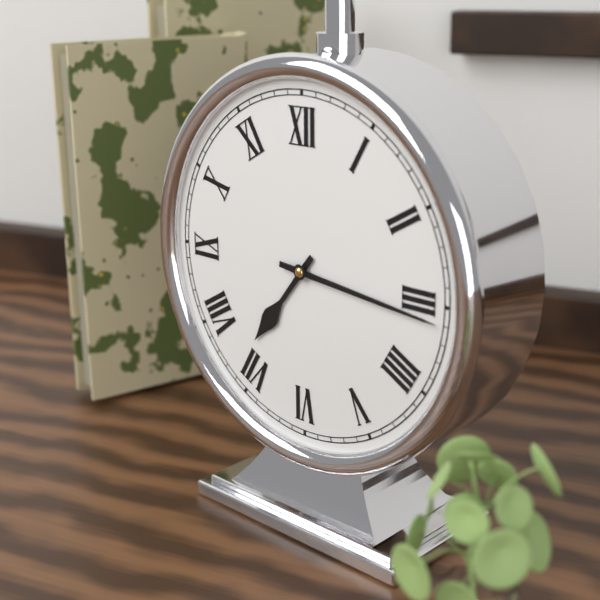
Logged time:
7:16
